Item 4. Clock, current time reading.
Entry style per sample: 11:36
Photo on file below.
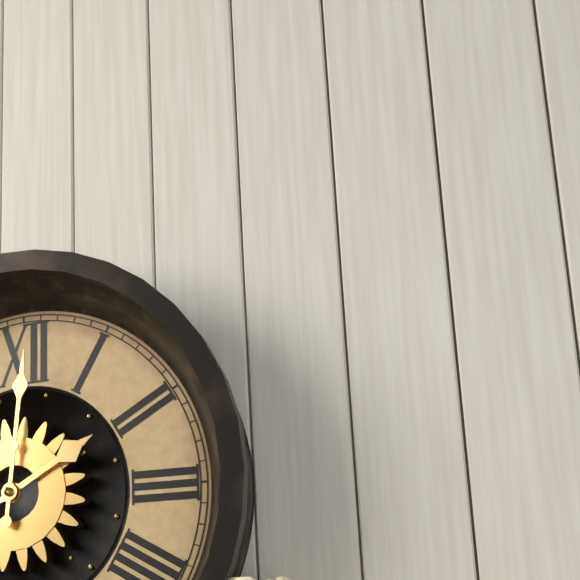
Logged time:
2:01
